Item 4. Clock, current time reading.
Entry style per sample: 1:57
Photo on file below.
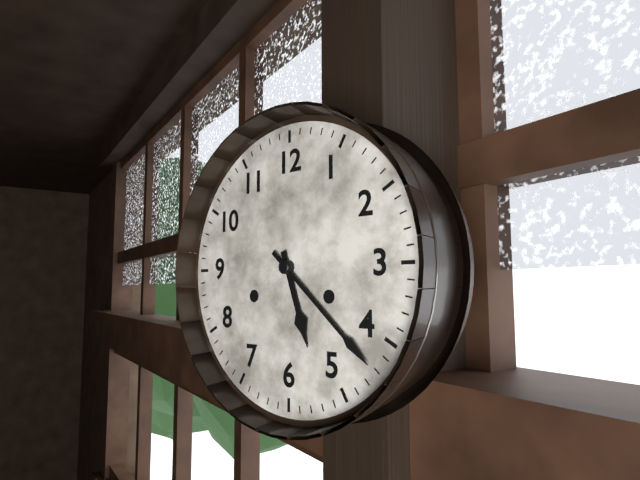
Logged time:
5:22
